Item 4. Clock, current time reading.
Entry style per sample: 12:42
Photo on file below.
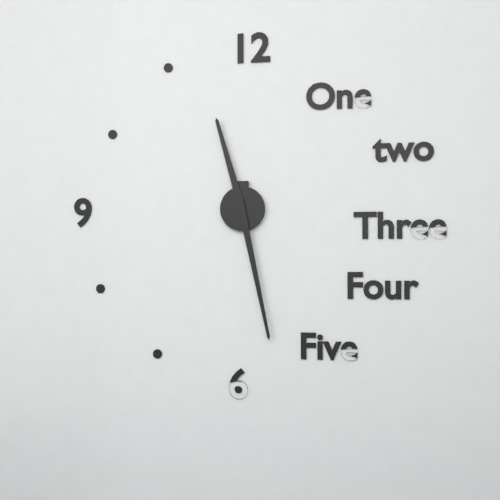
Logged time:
11:28
